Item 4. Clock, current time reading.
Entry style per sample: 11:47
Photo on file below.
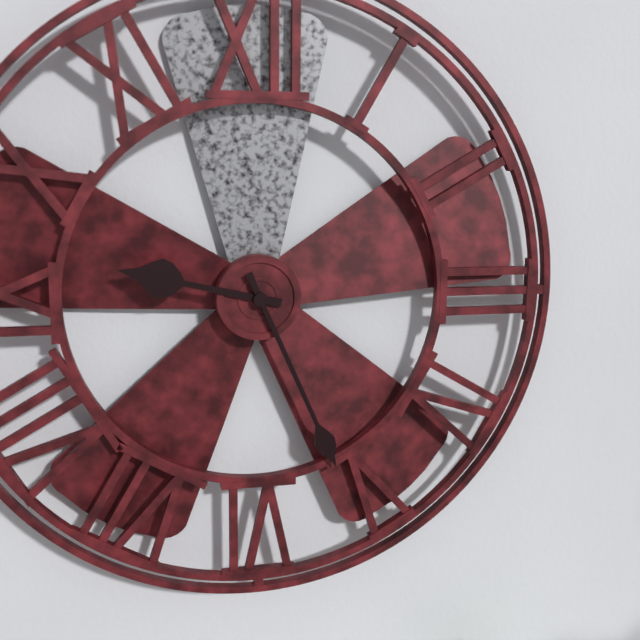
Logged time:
9:26
